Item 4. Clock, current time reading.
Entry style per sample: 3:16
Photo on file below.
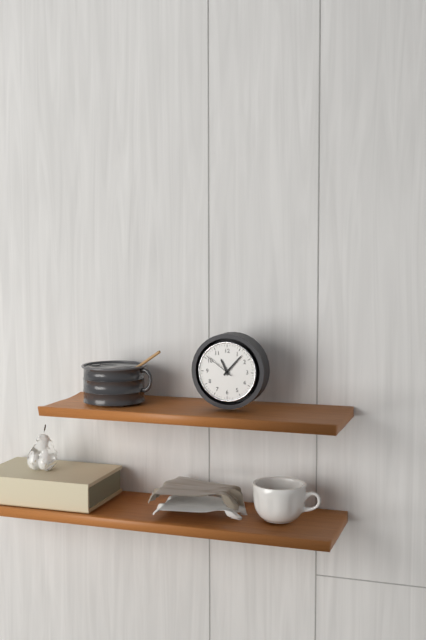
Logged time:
11:07
